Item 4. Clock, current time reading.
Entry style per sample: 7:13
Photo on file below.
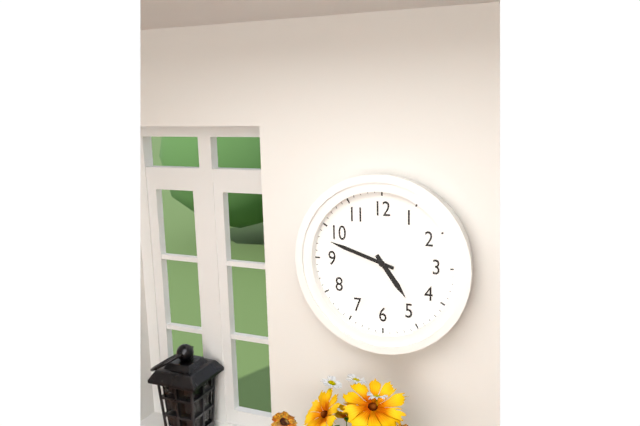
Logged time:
4:48
